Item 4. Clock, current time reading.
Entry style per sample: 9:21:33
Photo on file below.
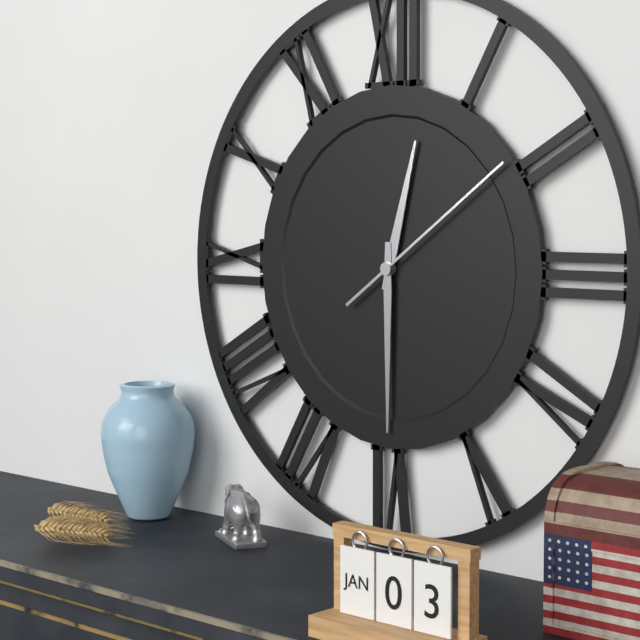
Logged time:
12:30:09
